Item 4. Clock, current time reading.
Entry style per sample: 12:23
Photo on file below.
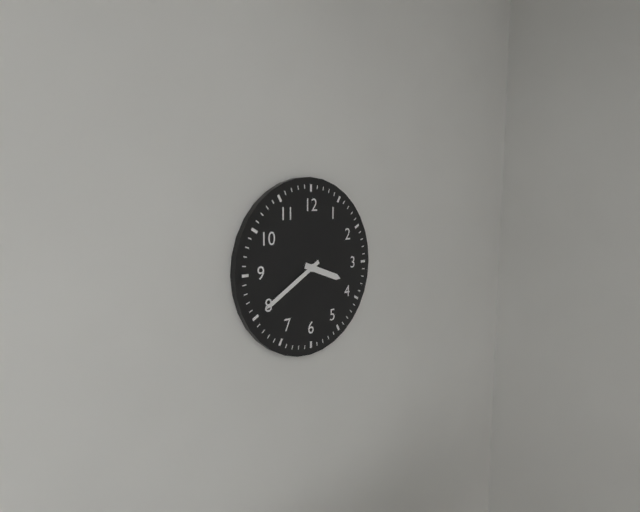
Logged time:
3:40
